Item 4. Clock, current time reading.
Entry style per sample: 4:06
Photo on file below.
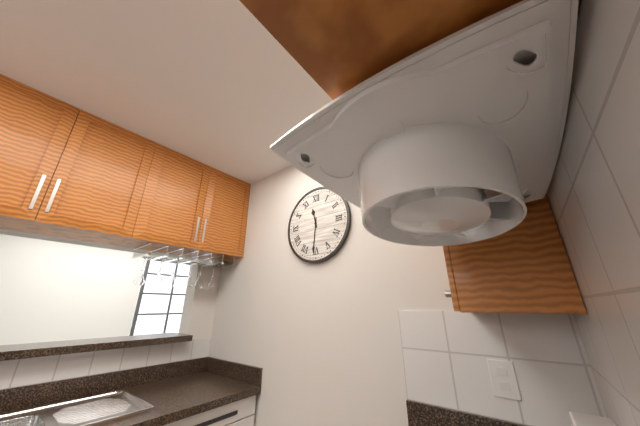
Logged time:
11:31
